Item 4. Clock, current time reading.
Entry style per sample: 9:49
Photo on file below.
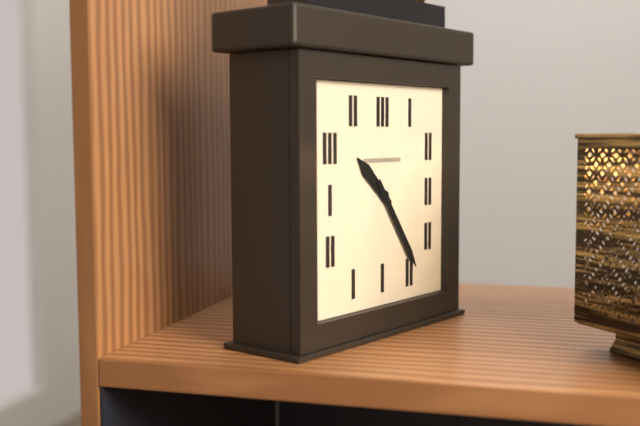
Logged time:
10:24
